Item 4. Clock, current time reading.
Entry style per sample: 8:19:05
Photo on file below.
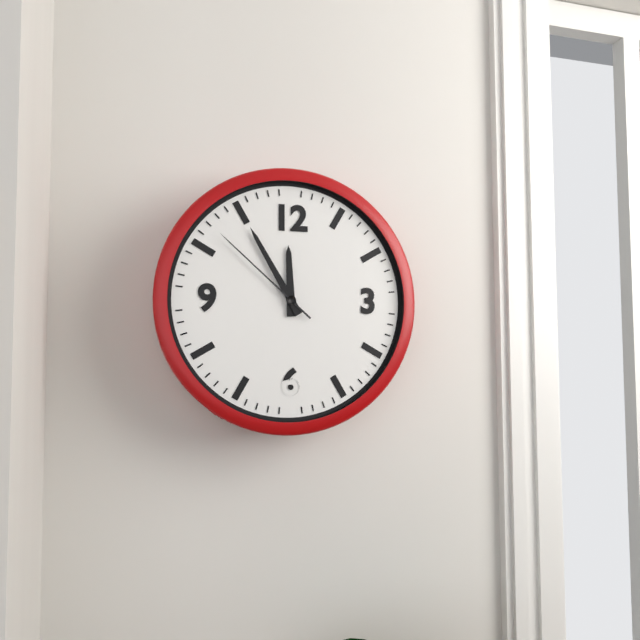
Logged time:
11:55:52
